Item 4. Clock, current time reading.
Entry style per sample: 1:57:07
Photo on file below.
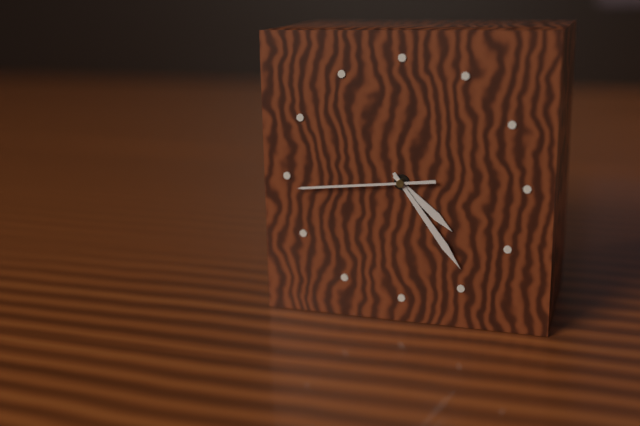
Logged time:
4:24:44
